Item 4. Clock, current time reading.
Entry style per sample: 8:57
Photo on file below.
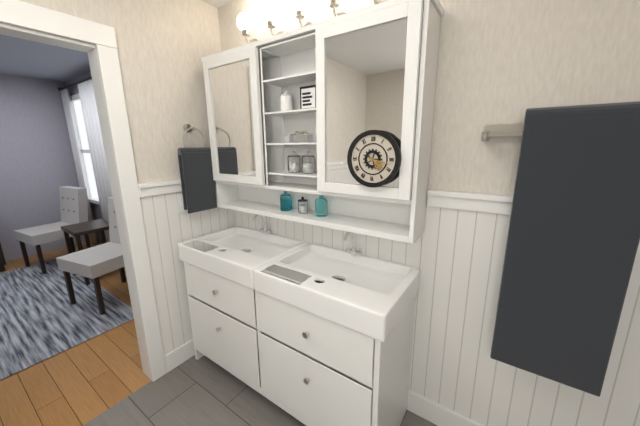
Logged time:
4:17
